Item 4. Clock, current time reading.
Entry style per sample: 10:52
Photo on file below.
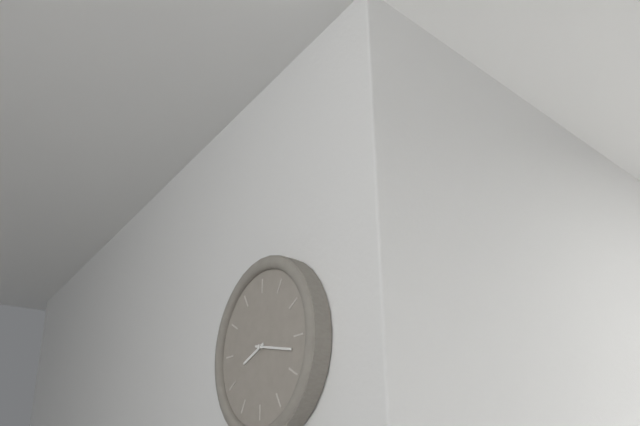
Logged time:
8:17
